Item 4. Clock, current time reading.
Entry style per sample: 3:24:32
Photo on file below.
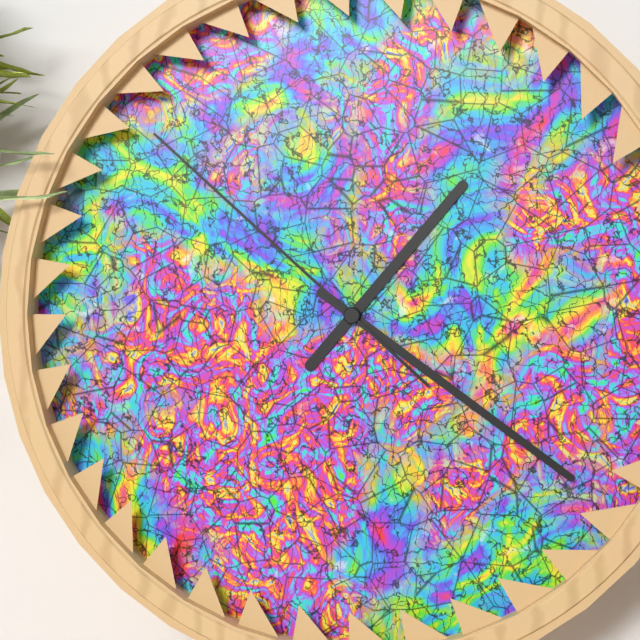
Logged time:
1:21:52
